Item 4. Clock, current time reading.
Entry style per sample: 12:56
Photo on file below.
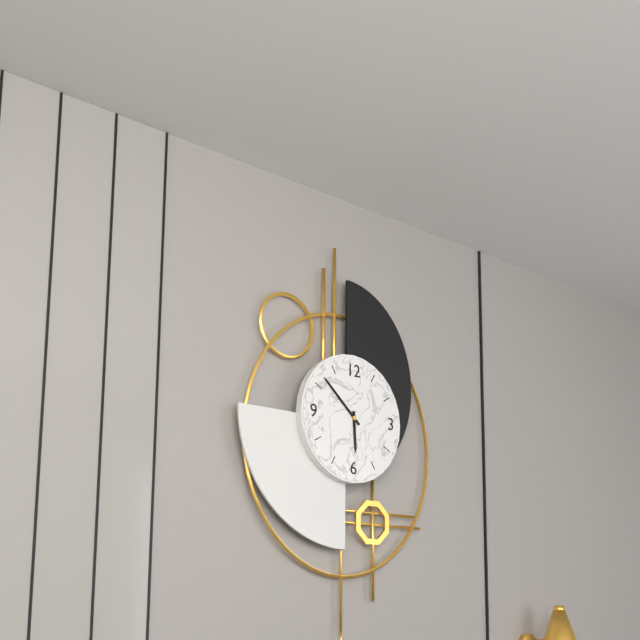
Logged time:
5:52
